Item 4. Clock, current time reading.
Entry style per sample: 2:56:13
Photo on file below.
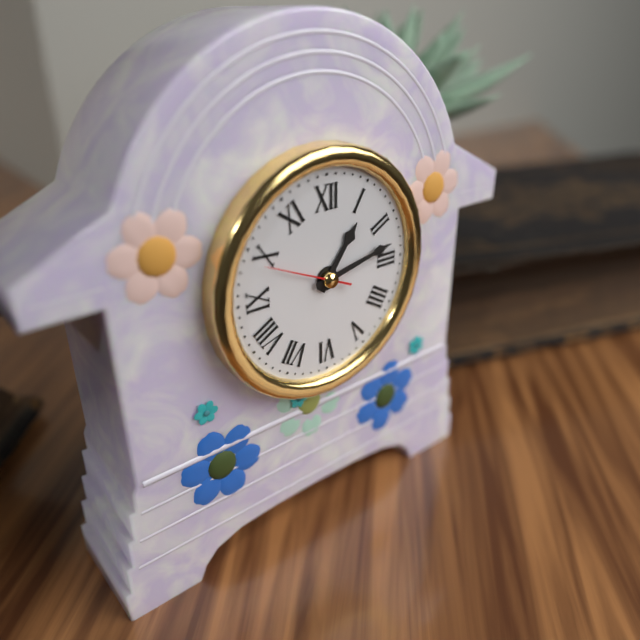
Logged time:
1:13:49
